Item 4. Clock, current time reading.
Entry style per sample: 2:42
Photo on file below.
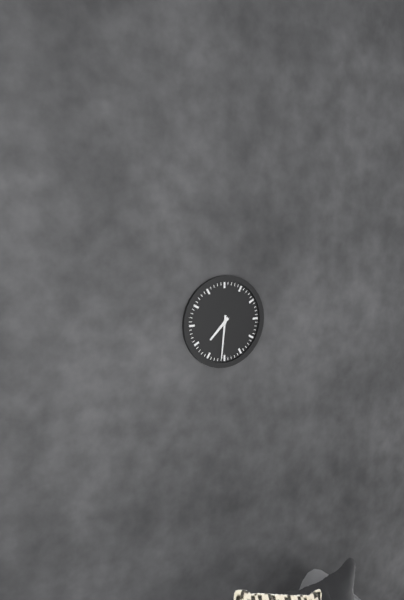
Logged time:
7:31
